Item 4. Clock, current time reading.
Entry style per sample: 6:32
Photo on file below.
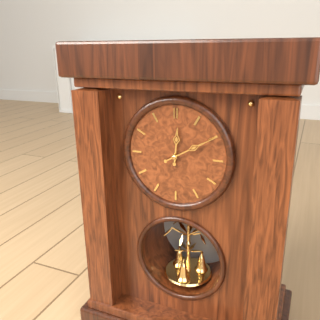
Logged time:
12:10
